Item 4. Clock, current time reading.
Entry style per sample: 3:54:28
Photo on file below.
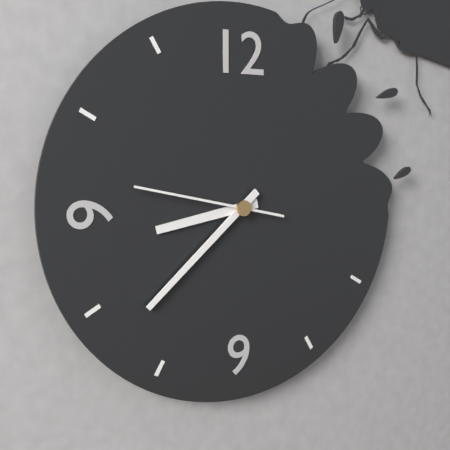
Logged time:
8:38:47
